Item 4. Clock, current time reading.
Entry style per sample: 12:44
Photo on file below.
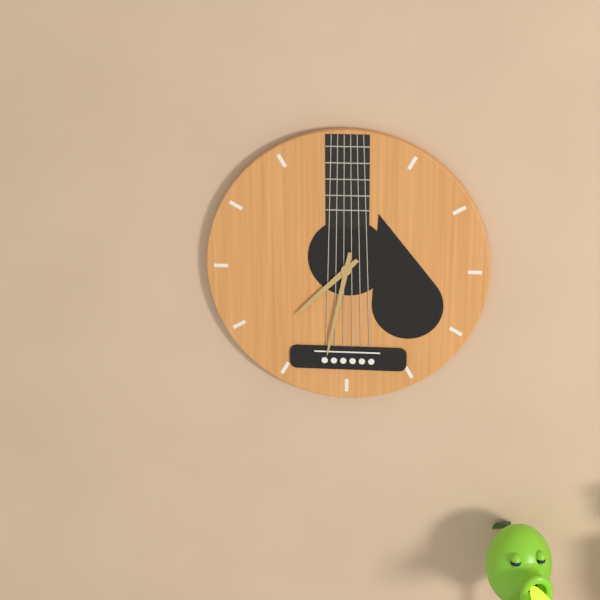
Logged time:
7:32
